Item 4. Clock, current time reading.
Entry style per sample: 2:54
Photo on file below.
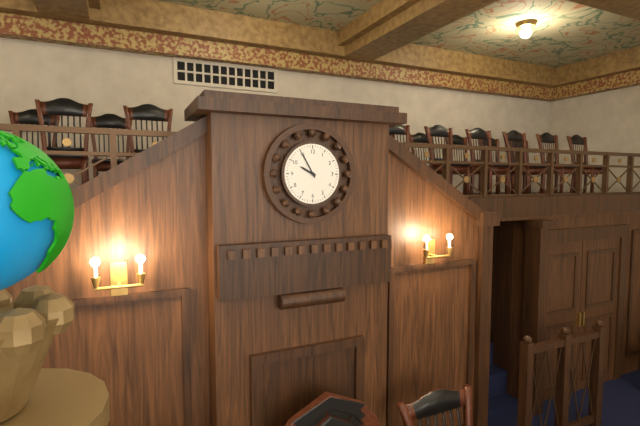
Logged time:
9:55
